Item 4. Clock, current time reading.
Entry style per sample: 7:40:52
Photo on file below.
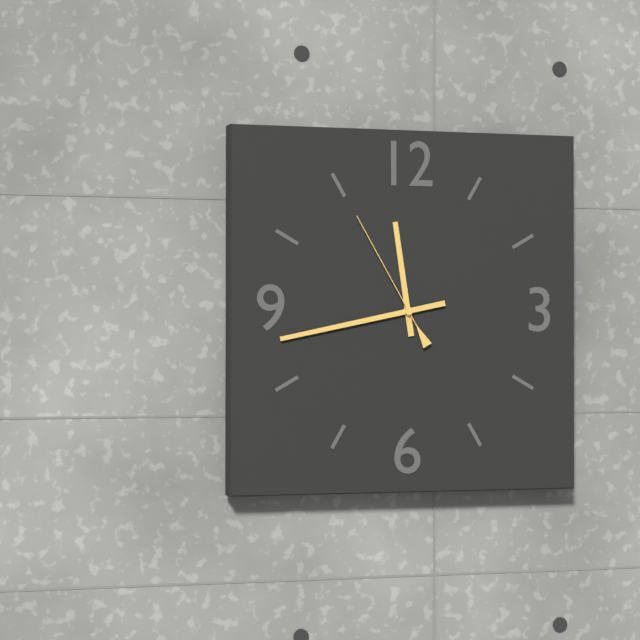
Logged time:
11:43:55
